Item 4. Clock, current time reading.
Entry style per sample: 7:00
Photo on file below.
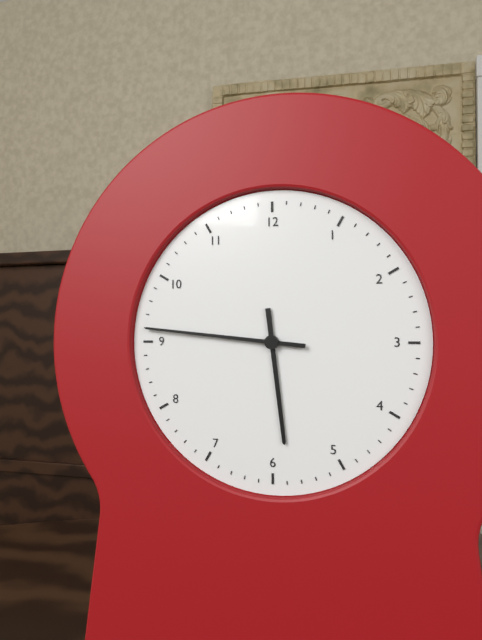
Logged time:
5:46
